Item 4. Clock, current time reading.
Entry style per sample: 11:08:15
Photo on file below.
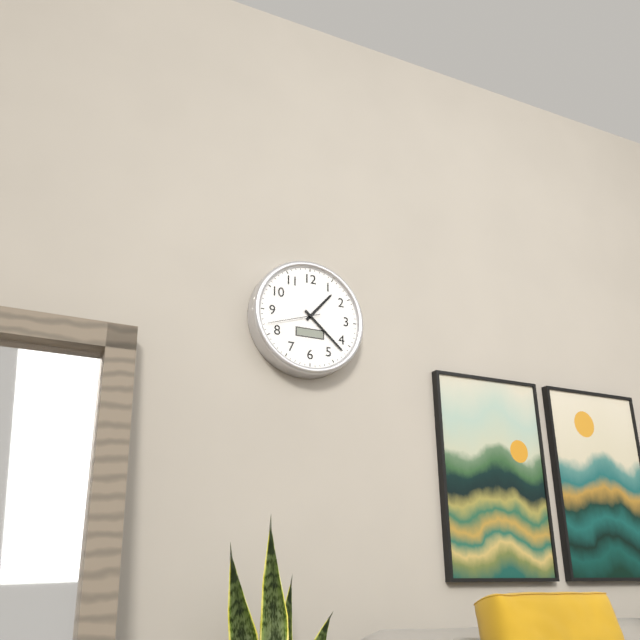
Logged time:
1:22:42
